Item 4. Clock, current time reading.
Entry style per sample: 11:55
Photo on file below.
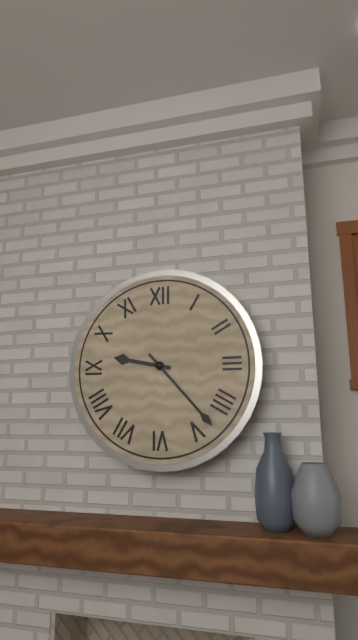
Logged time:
9:23
